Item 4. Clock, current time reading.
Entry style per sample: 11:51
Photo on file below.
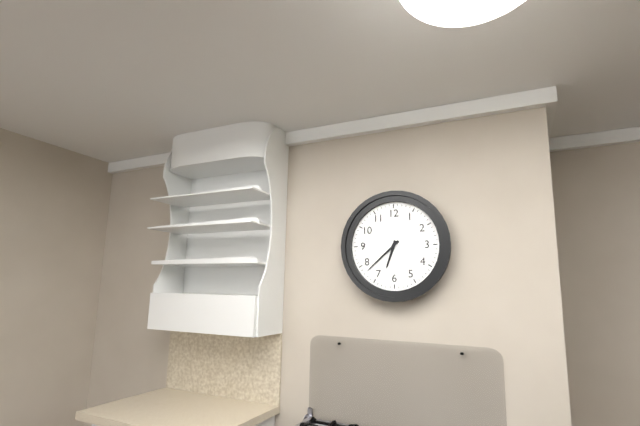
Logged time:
6:38
